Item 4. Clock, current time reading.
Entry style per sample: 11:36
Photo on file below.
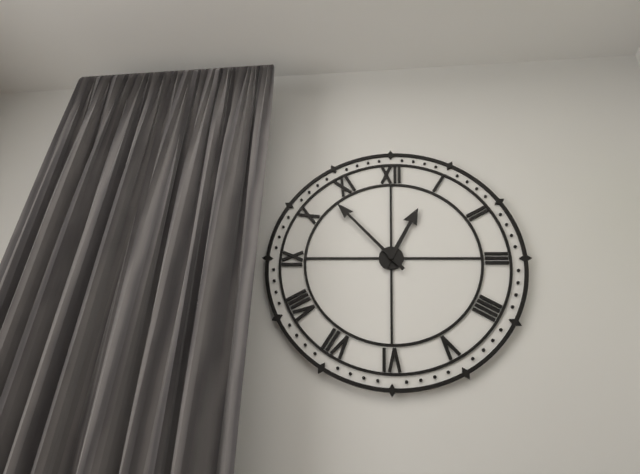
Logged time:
12:53
